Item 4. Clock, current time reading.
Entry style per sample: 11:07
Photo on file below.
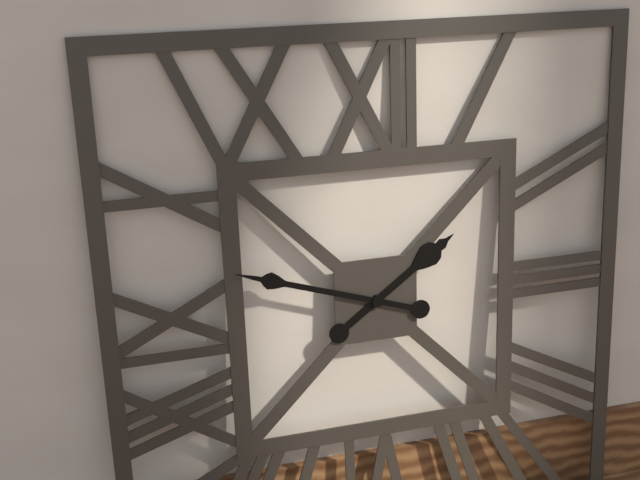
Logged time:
1:48
